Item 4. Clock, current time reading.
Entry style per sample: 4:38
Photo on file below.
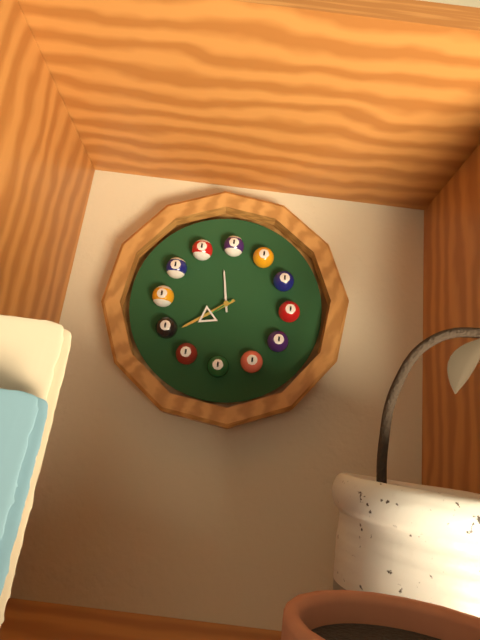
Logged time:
11:39
